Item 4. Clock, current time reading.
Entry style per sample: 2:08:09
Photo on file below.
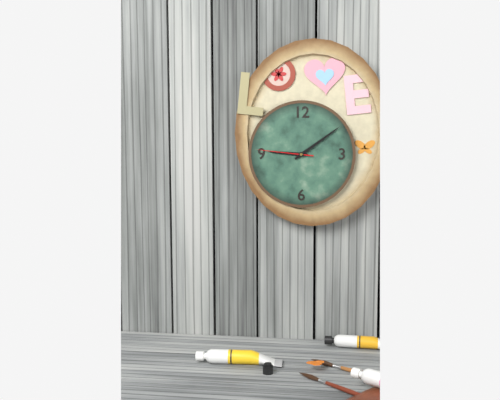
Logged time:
9:09:46
